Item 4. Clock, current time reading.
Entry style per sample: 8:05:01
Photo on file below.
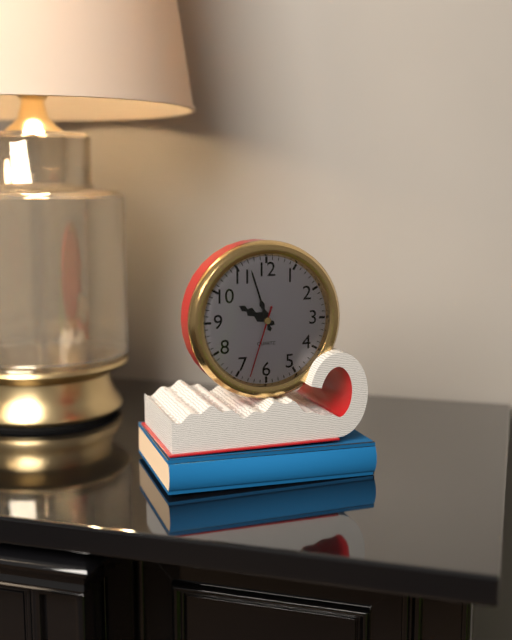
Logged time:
9:57:33
